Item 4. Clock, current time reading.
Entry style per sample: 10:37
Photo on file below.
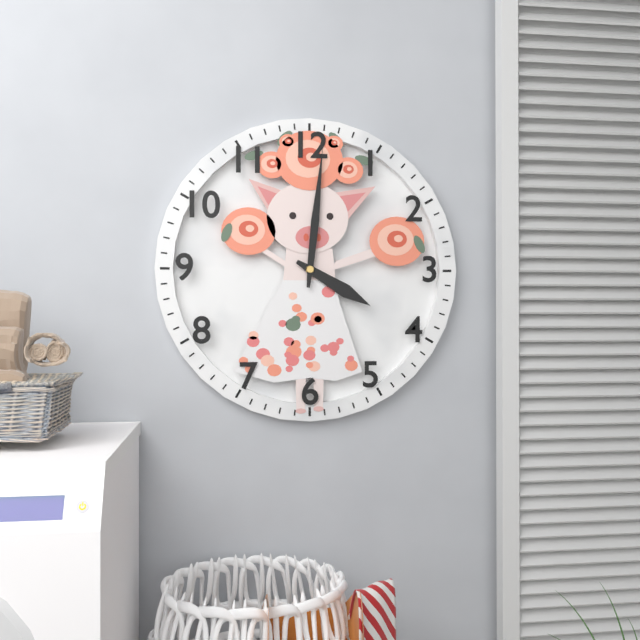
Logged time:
4:01
